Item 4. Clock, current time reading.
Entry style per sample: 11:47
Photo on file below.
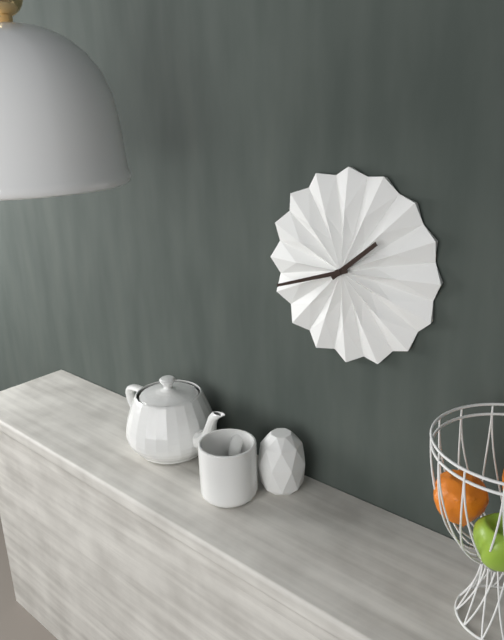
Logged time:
1:42
